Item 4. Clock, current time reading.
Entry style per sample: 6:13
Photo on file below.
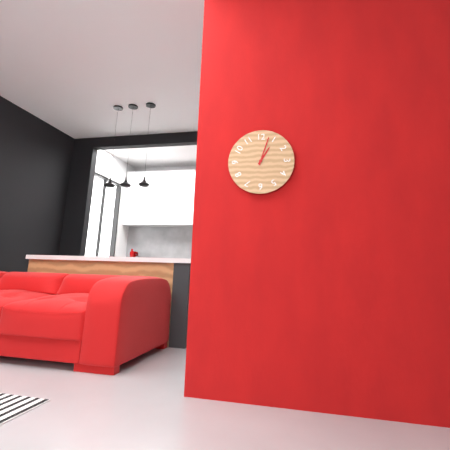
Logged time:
1:03
